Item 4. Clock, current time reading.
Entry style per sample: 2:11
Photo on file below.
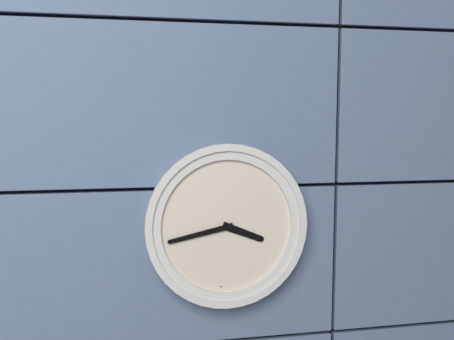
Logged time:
3:43
